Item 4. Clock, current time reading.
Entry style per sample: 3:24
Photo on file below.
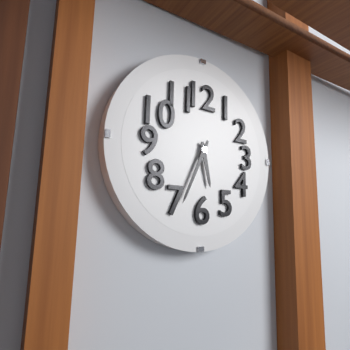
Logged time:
5:34
